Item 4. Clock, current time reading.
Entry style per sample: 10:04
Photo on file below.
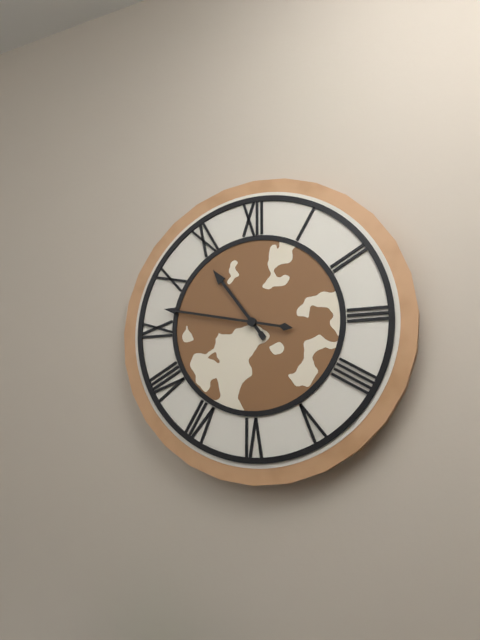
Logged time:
10:47
